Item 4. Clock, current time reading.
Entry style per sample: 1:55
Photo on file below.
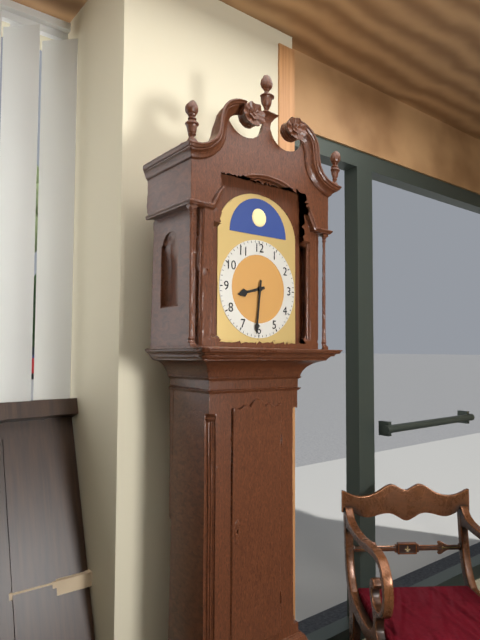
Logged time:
8:31
